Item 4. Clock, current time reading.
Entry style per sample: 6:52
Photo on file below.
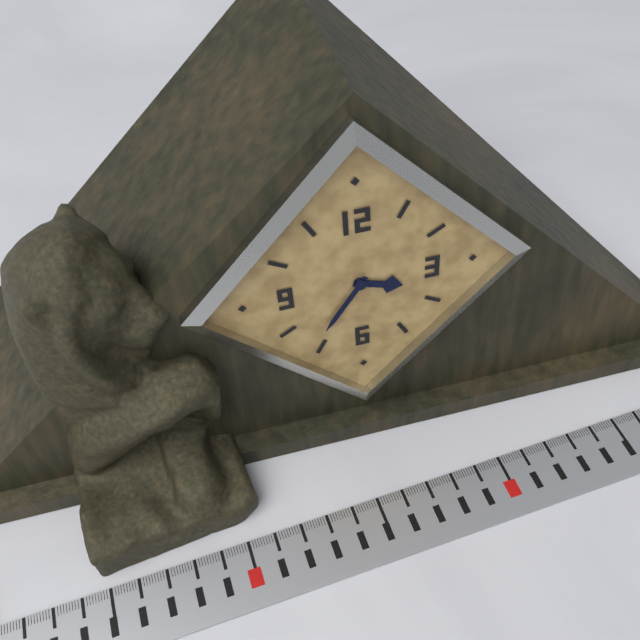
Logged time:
3:36
